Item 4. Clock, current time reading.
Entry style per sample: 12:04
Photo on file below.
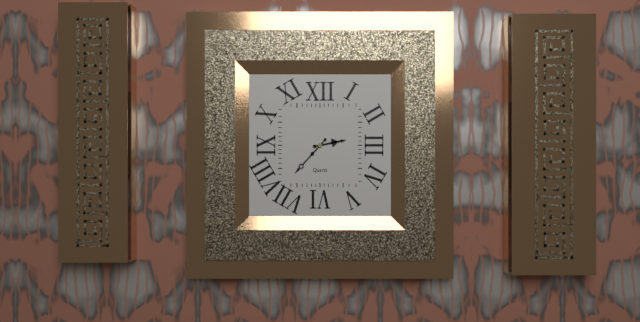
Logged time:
2:37
